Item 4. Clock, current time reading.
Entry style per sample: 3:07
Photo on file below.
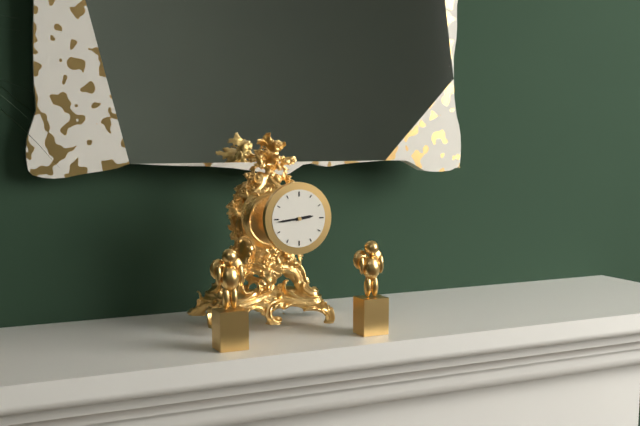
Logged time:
2:44
